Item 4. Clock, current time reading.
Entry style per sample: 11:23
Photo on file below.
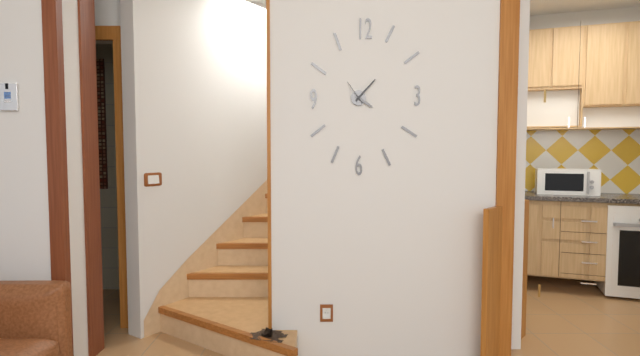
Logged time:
4:07
